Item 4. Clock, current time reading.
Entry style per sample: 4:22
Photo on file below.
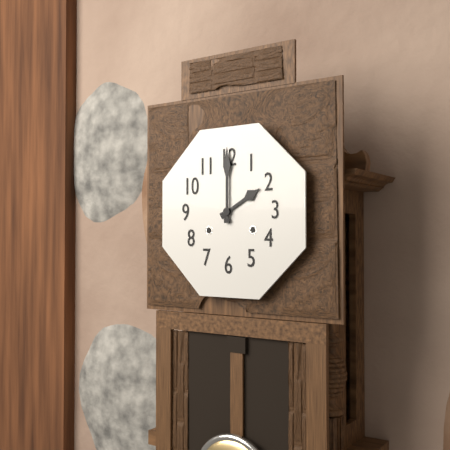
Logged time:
2:00
